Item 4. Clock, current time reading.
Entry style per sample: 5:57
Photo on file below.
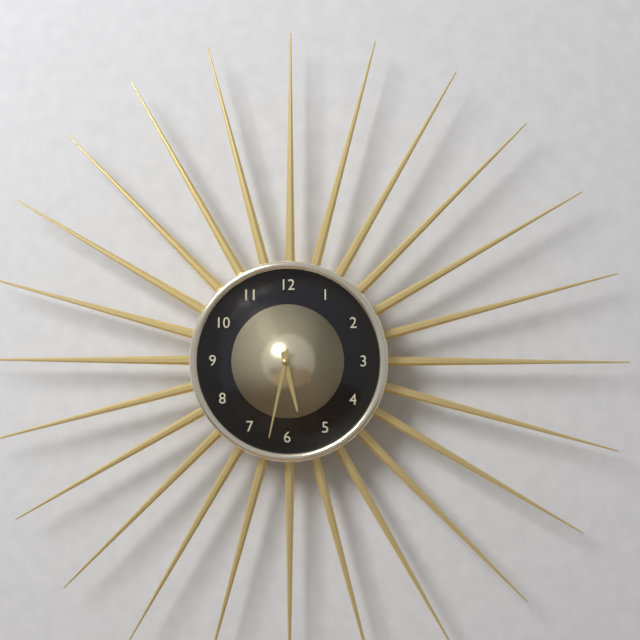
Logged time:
5:32
